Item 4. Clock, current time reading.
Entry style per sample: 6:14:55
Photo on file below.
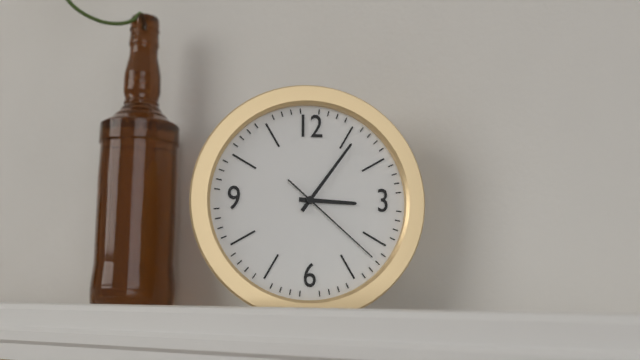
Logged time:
3:06:22
